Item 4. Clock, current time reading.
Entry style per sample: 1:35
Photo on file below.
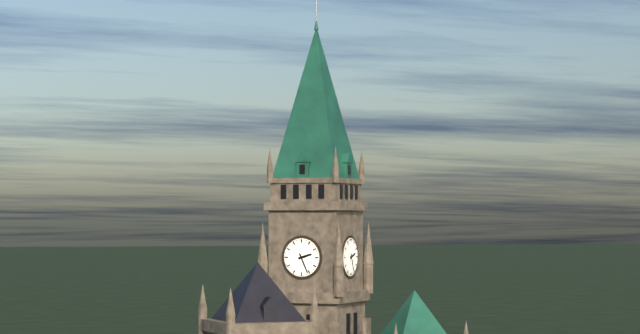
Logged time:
2:26
